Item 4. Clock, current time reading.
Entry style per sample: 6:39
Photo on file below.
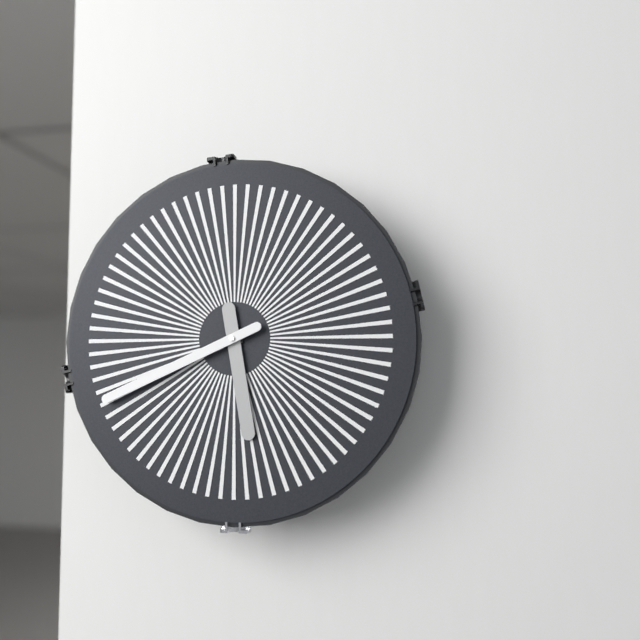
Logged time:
5:41
